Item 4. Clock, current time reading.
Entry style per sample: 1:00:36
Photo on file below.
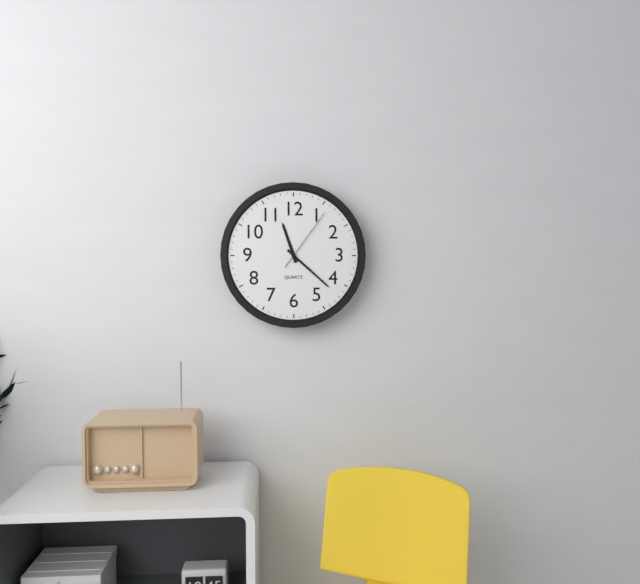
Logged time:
11:22:06
